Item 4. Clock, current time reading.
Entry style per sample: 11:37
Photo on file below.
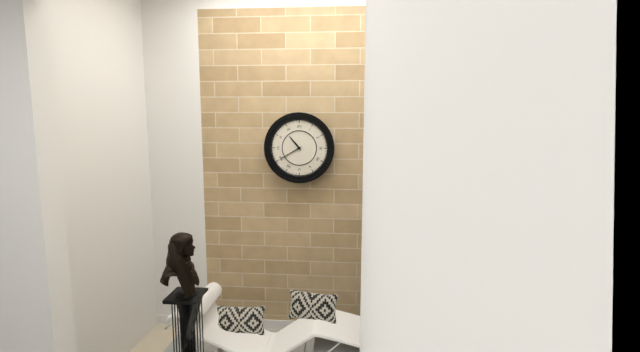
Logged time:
10:40
